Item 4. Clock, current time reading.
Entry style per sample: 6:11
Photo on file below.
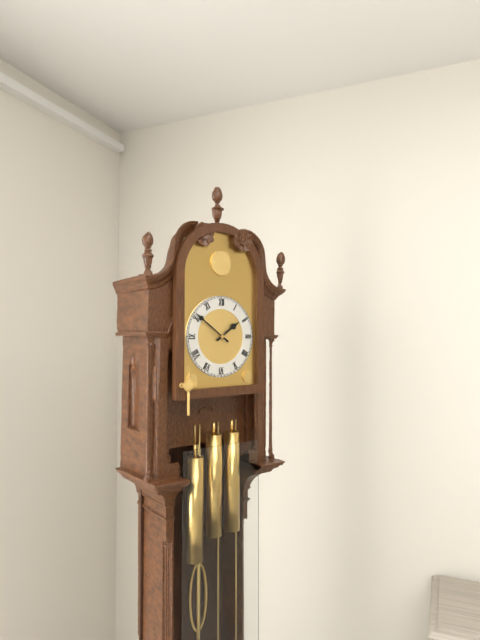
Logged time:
1:51
